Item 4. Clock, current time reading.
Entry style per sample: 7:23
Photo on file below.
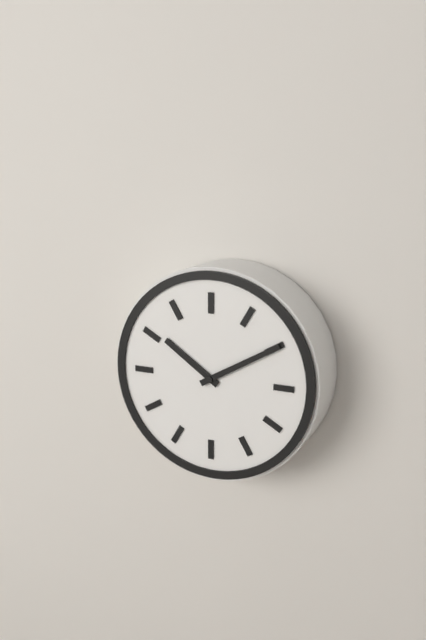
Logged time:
10:10
